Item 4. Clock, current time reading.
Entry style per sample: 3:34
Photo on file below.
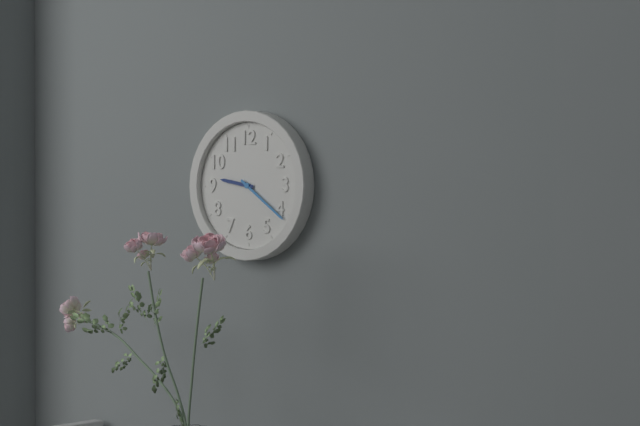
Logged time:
9:21
